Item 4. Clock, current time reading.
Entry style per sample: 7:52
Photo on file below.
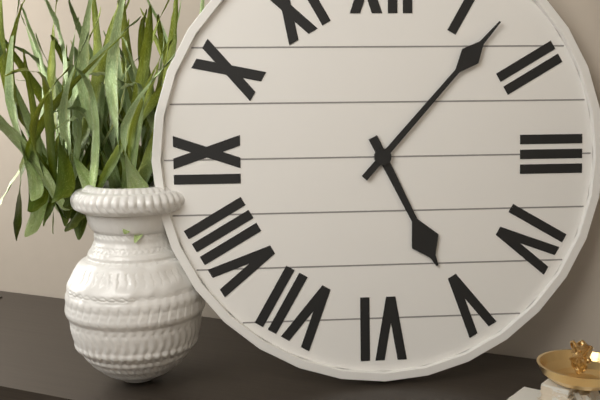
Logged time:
5:07
